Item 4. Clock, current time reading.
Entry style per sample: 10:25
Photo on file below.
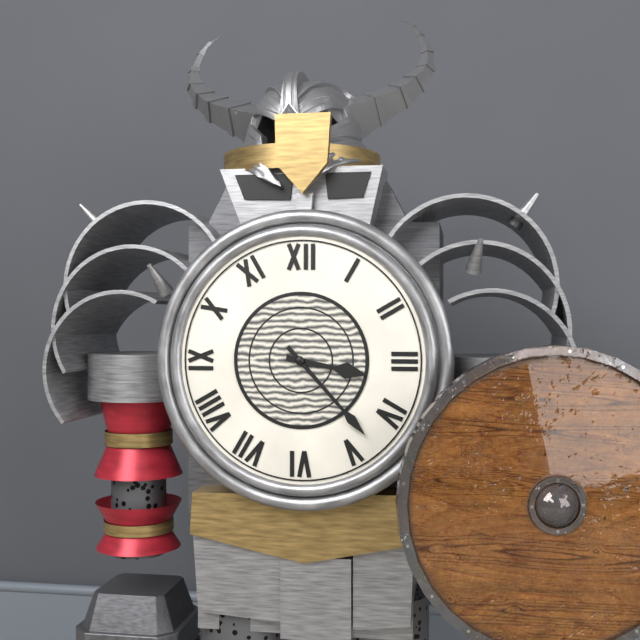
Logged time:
3:23
